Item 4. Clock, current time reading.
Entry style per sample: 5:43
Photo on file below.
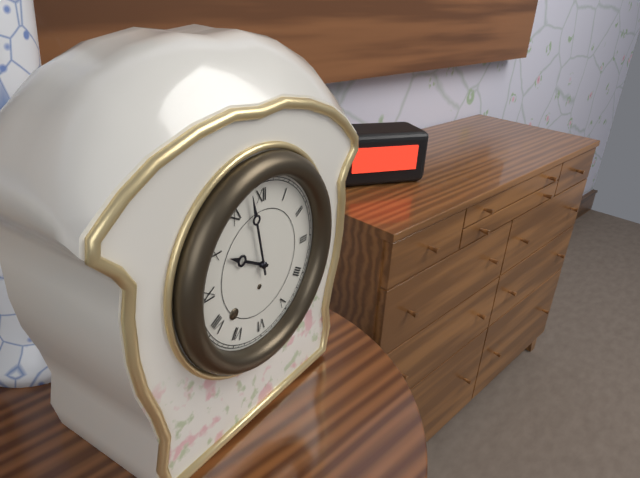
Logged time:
9:58
